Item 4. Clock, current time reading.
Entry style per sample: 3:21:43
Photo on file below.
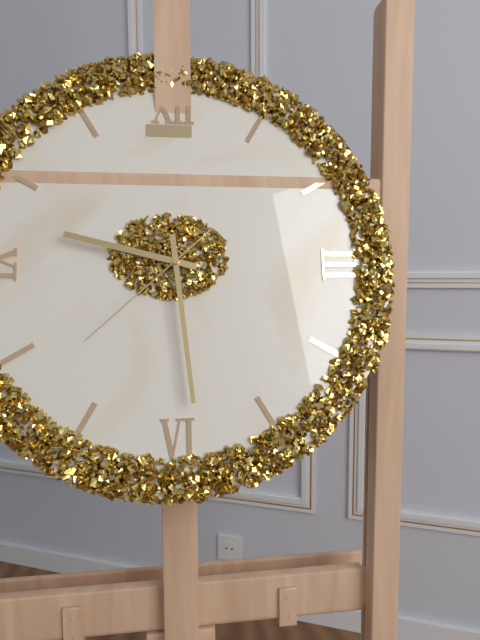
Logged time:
9:29:38
